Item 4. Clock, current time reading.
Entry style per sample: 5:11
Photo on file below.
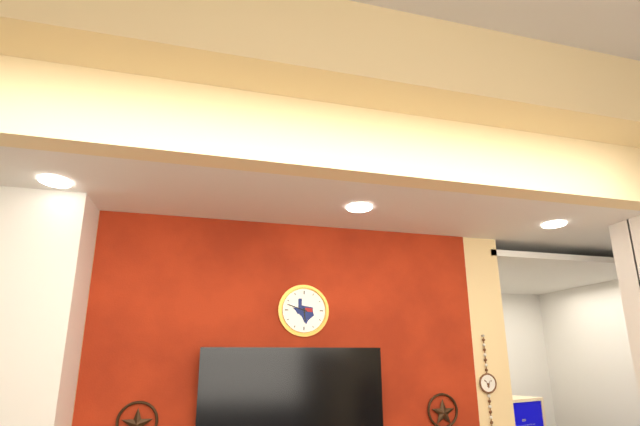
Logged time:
5:48
